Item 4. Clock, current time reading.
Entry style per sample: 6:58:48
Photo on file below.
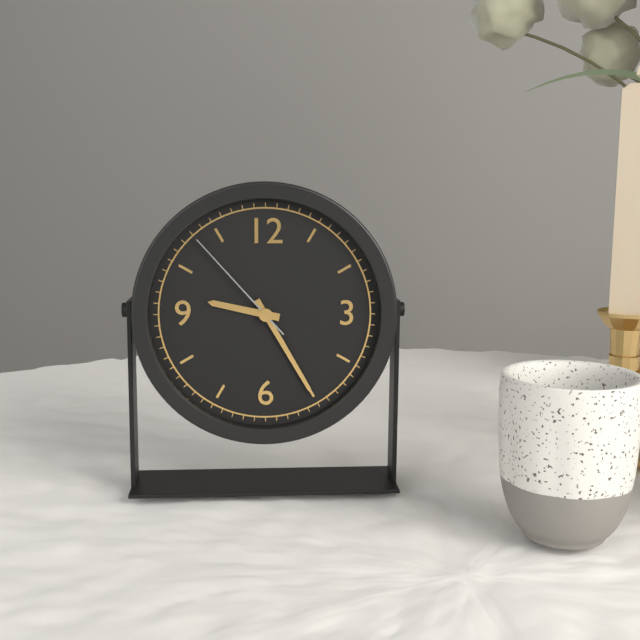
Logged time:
9:25:53
